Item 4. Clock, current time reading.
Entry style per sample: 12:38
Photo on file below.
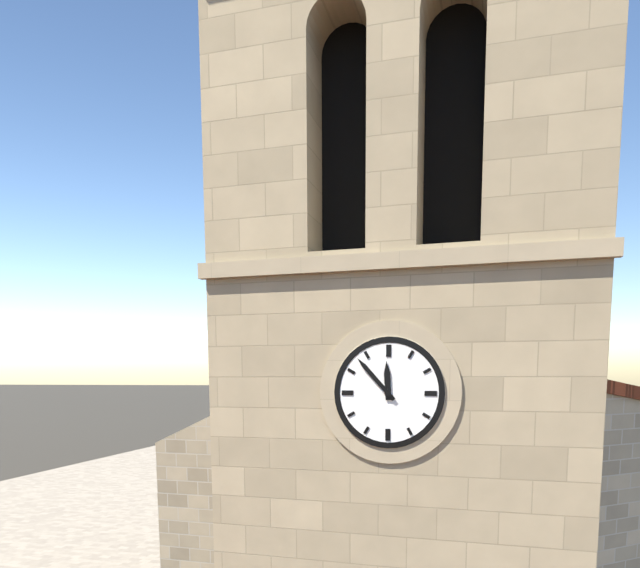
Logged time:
11:53
